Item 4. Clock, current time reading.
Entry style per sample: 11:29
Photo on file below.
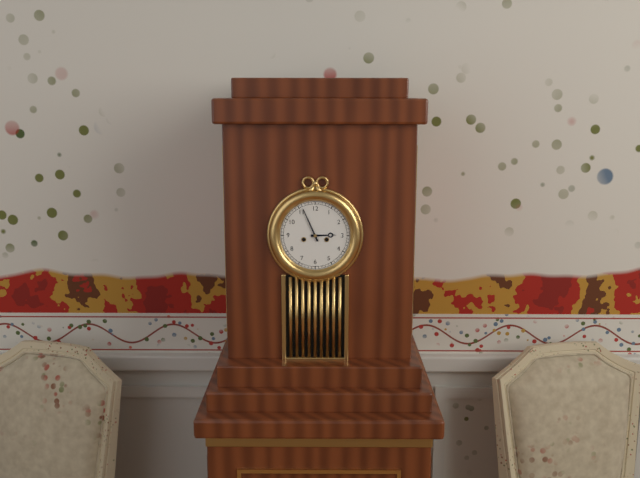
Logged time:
2:56
